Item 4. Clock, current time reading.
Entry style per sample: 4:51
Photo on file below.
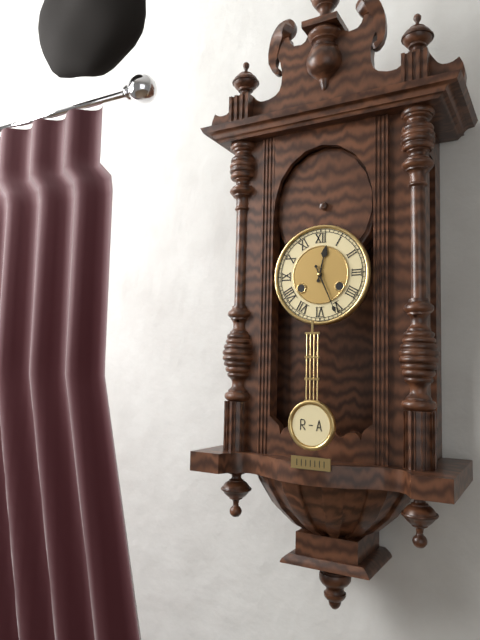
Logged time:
12:26
